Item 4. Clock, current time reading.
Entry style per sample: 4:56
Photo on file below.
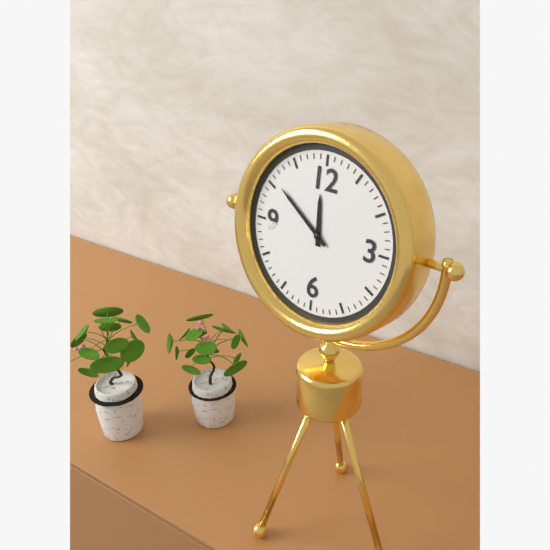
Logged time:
11:51
